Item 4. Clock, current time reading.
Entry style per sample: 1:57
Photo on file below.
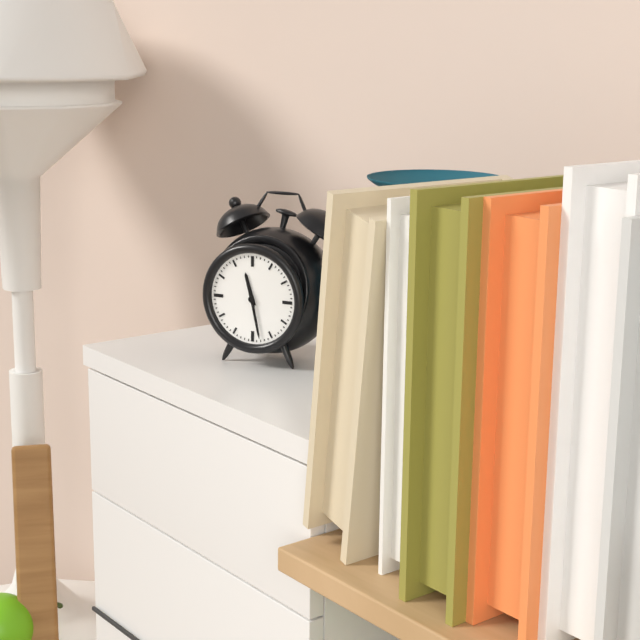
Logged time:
11:28
